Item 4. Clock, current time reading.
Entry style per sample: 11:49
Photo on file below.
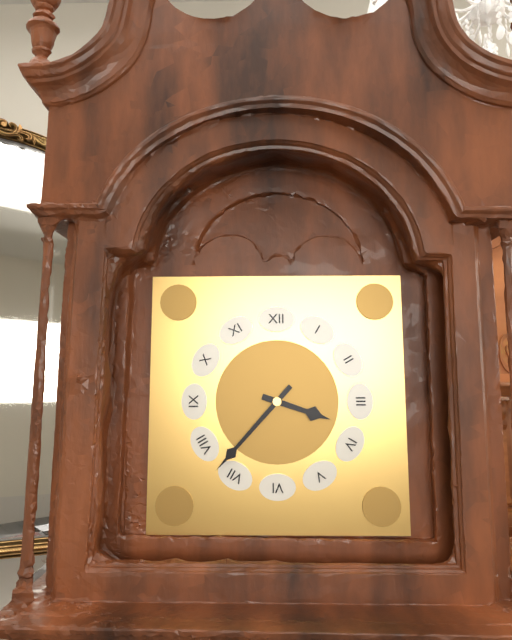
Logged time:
3:37
